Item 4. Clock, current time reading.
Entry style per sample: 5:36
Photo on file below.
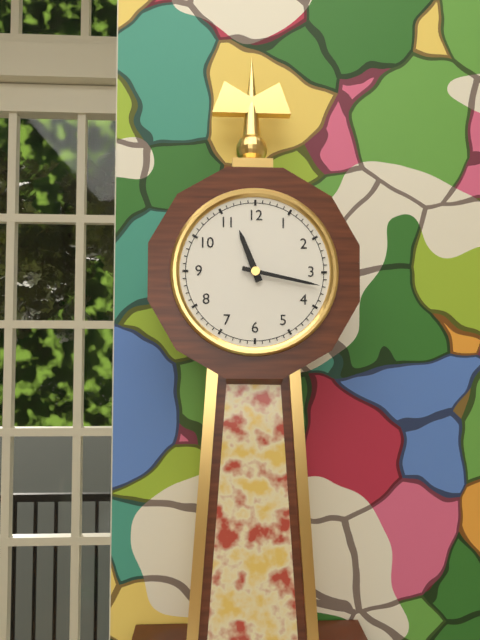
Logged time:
11:17
